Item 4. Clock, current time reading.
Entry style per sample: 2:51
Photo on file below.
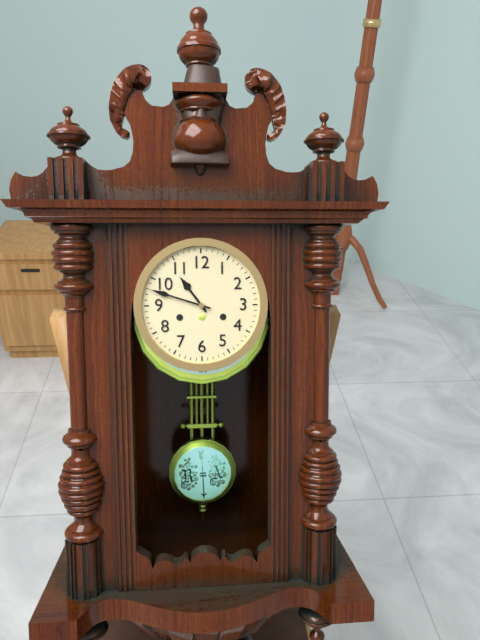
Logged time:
10:48
